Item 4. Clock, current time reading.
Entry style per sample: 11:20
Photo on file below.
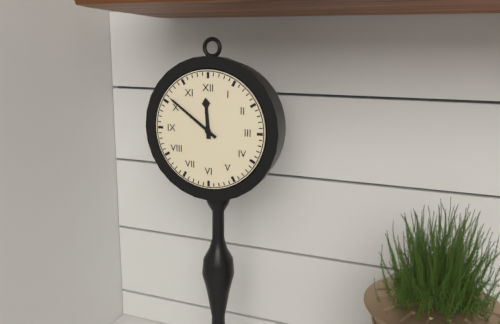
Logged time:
11:51
